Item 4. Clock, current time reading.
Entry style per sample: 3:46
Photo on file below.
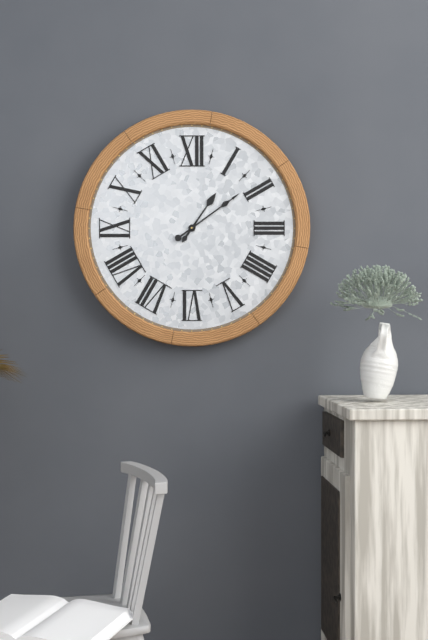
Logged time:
1:09
